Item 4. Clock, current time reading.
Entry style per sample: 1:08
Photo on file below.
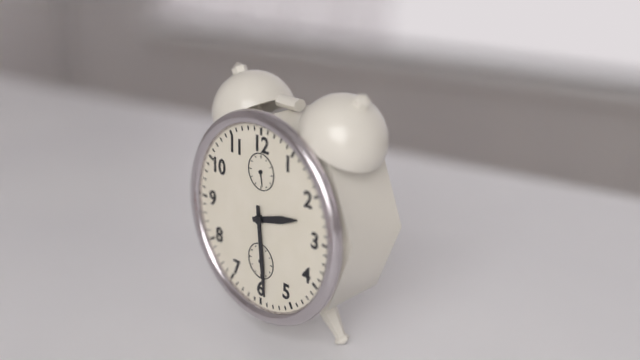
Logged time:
2:29
